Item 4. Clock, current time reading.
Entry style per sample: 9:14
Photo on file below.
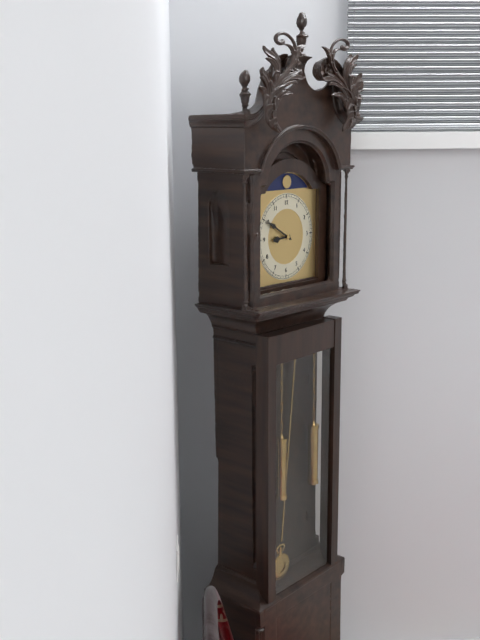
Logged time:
8:50
